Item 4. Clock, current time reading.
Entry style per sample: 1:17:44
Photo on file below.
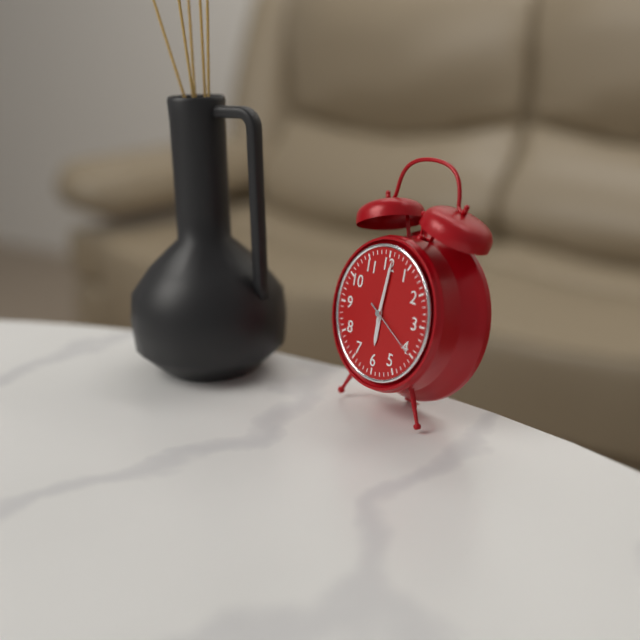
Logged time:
6:01:20
